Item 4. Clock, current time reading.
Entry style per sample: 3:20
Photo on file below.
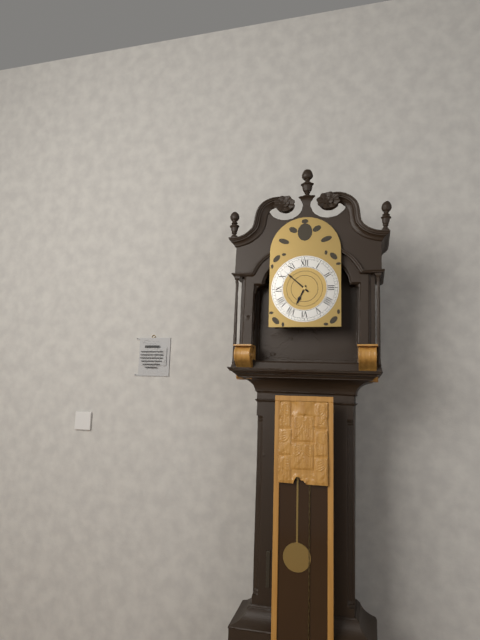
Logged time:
6:52
